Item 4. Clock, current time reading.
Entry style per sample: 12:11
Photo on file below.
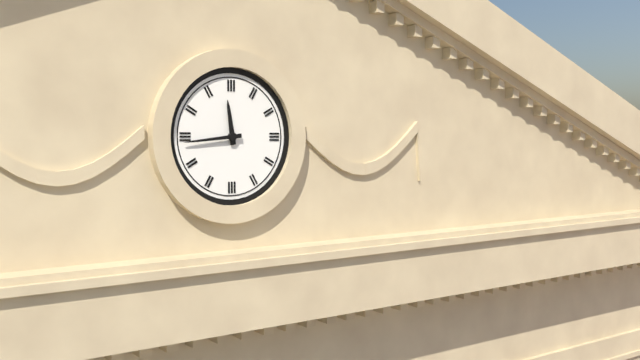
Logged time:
11:44
